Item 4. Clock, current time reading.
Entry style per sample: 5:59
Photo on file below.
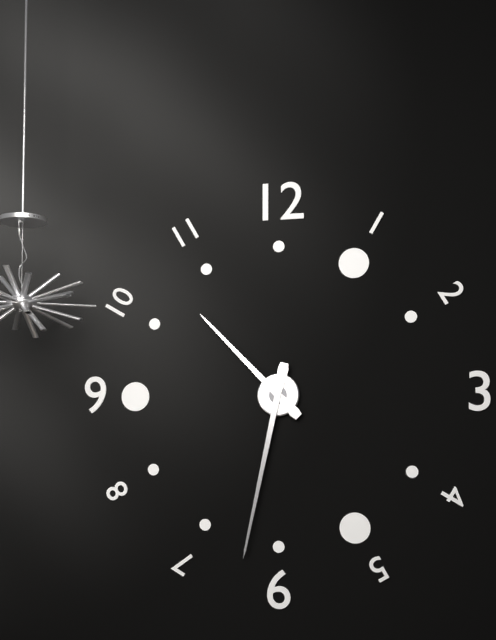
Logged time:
10:32
